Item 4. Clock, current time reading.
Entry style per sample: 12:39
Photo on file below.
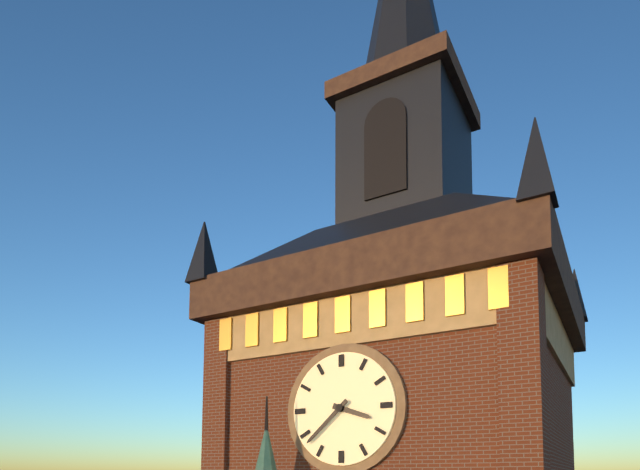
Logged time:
3:38
